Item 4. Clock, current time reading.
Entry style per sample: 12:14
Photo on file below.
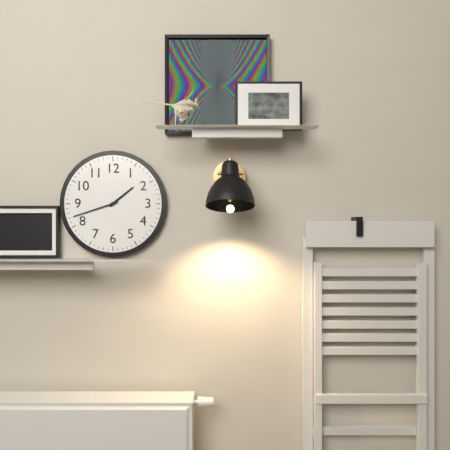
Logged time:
1:42
